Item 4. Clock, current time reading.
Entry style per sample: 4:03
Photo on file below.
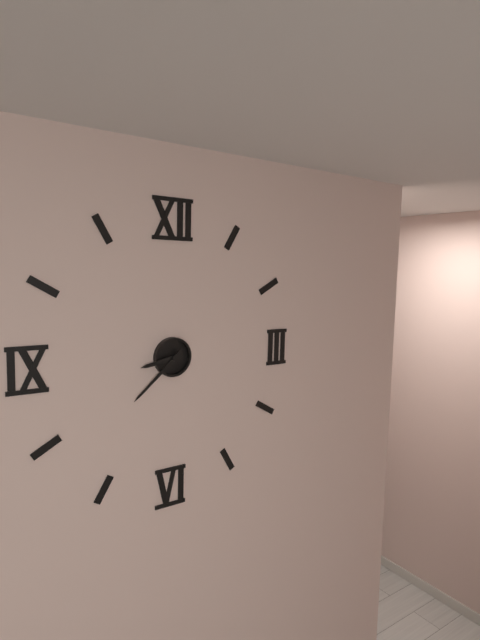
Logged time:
8:38
